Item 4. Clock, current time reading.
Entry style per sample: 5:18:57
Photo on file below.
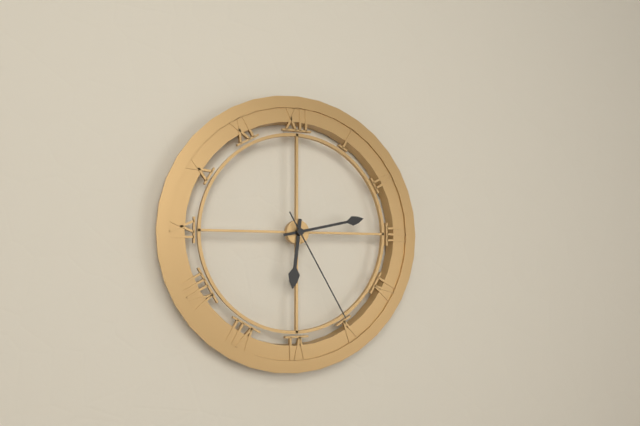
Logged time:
6:13:25
